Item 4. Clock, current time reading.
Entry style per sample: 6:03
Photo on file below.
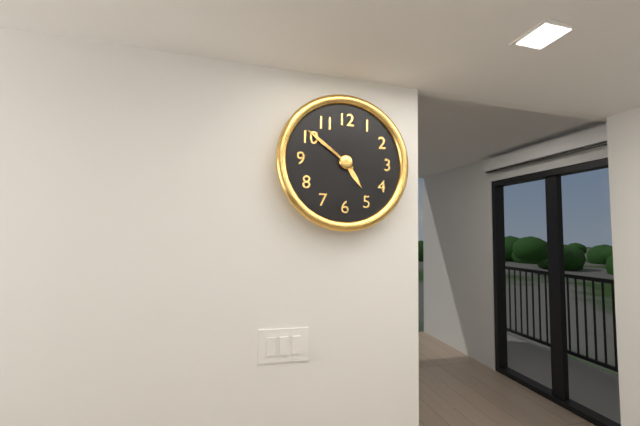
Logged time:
4:51
